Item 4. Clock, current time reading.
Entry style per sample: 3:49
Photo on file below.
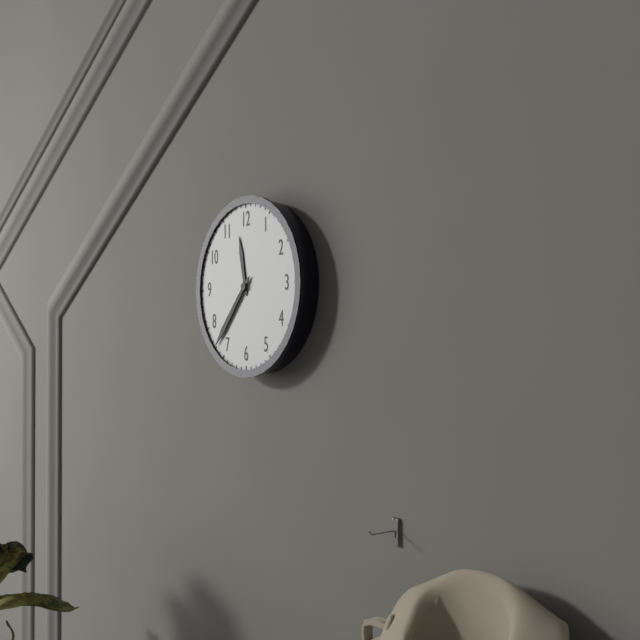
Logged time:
11:37
